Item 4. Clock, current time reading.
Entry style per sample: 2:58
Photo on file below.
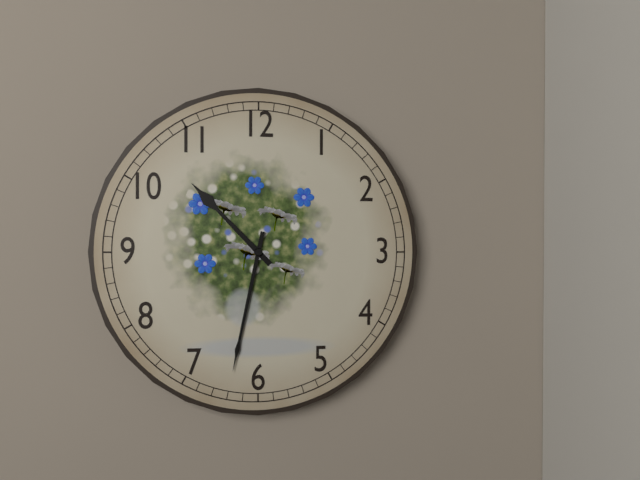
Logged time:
10:32
